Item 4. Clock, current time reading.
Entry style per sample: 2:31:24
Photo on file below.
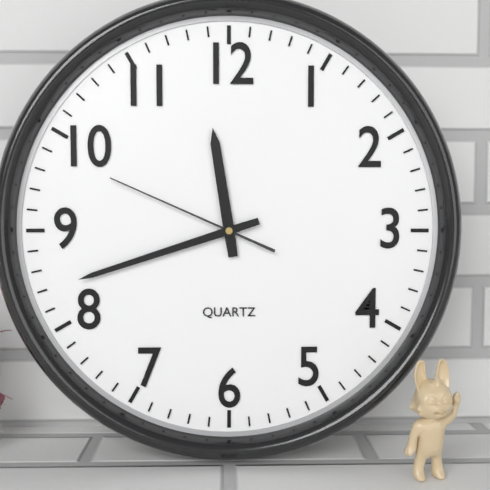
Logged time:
11:42:49
